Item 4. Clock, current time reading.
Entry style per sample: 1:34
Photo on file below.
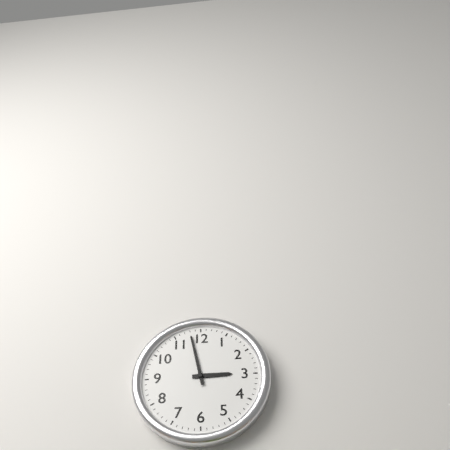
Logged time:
2:58
